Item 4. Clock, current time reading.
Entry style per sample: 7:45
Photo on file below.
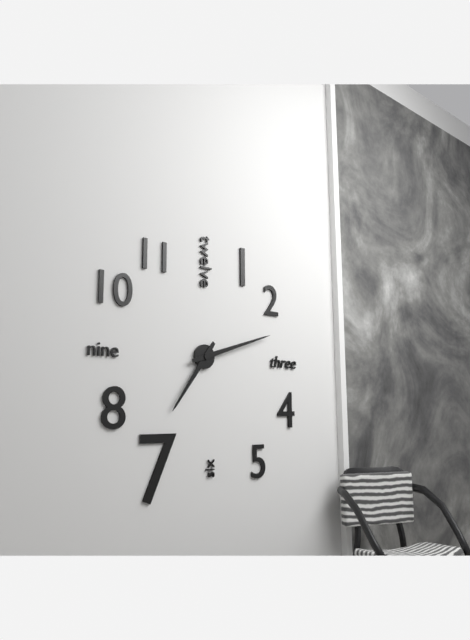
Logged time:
7:12
